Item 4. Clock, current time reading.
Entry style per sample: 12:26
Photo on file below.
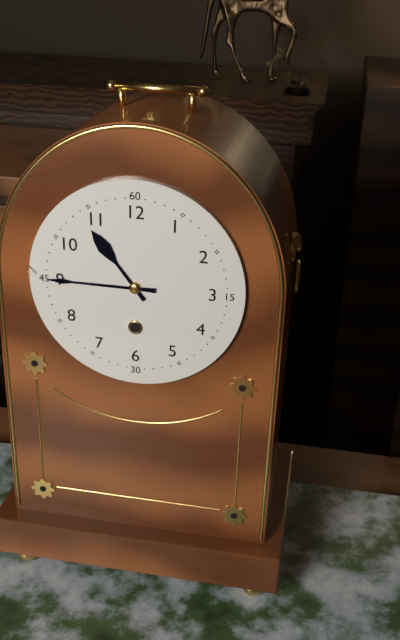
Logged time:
10:45
